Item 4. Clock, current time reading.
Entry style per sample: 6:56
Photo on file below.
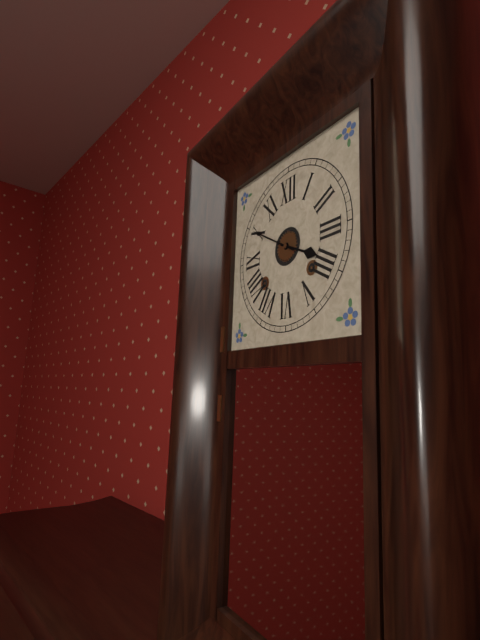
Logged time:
3:50
